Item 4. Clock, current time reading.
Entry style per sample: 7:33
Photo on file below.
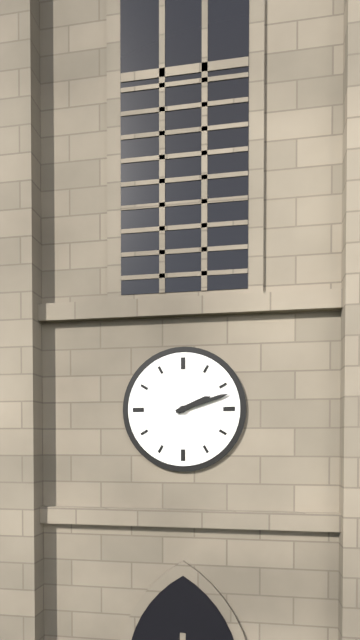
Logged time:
2:12
